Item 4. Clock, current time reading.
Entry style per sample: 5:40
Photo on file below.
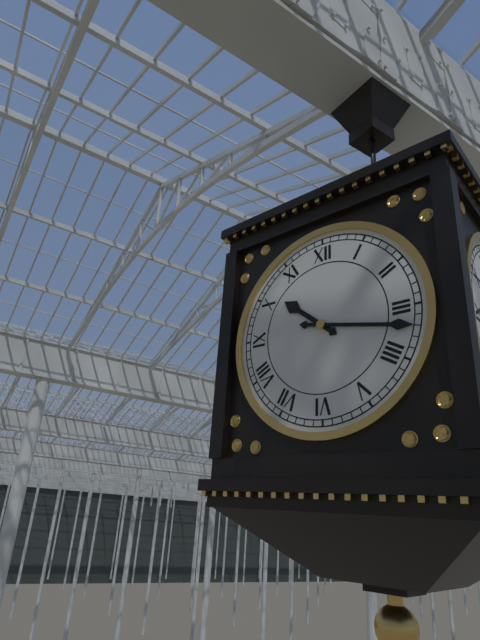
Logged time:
10:17
